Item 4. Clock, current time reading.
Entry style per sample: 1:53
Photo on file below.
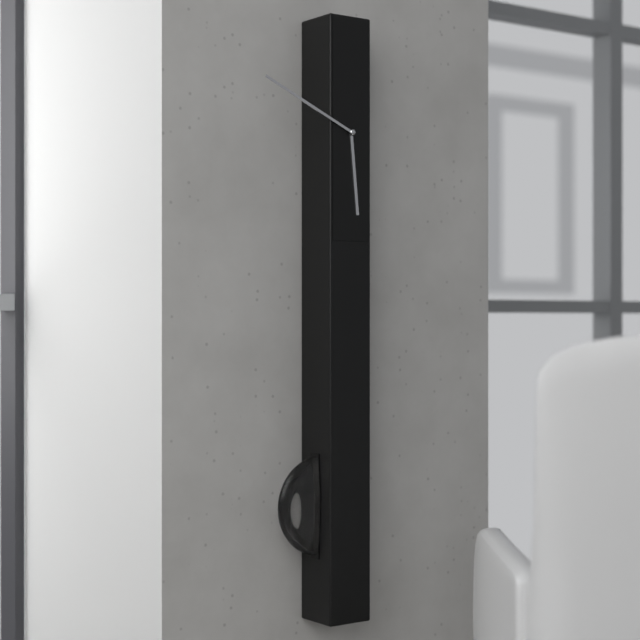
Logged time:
5:49
